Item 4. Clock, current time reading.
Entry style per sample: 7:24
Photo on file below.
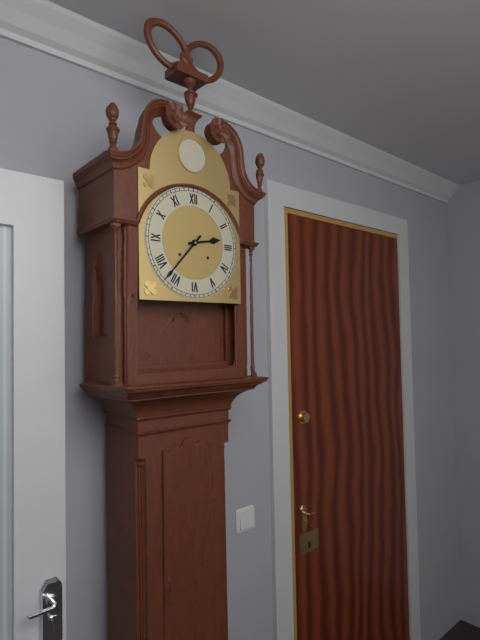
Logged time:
2:37
